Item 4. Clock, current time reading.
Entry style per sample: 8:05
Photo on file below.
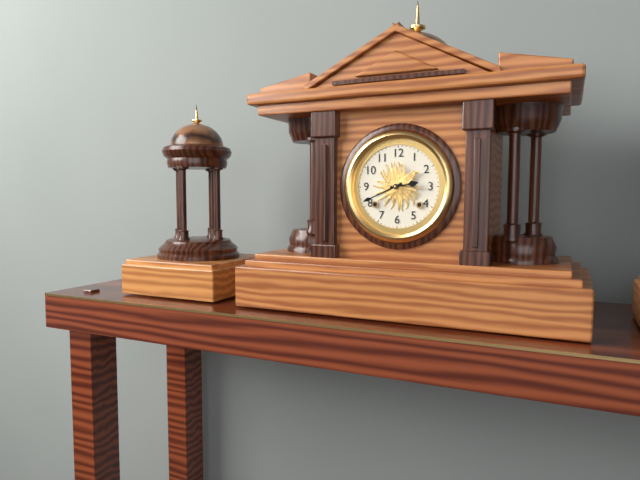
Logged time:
2:41
